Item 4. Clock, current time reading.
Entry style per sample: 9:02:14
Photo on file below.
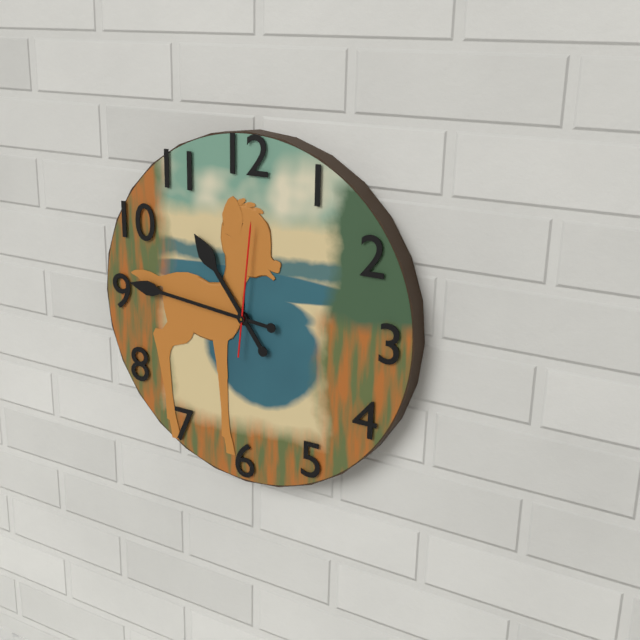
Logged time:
10:46:01
